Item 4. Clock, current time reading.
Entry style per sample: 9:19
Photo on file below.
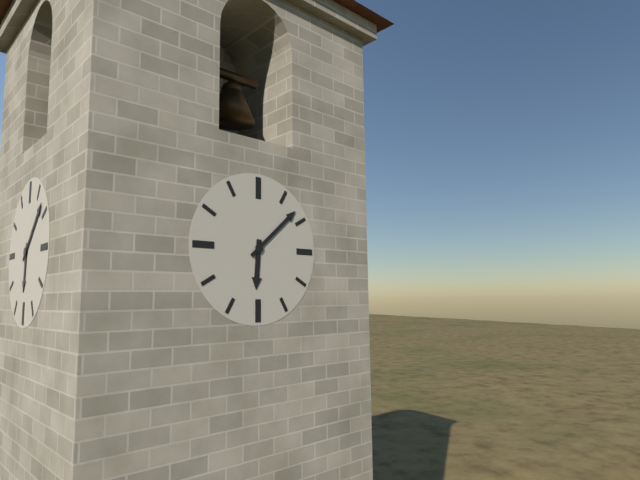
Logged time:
6:08
